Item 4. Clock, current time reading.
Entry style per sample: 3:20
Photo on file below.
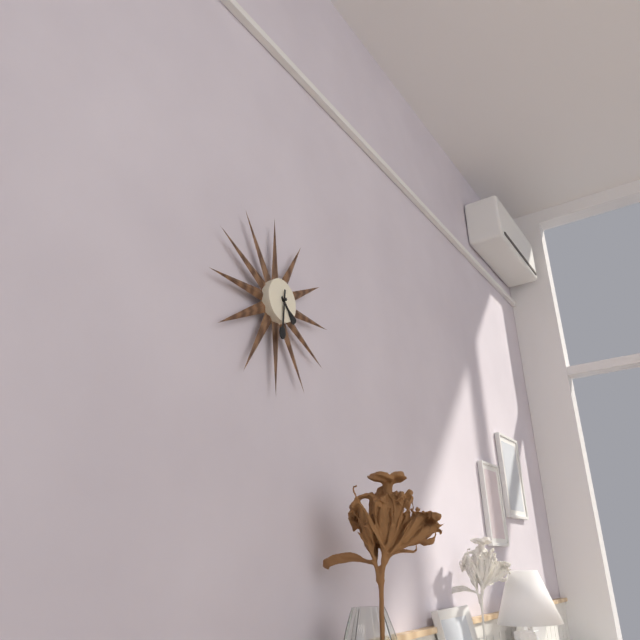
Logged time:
4:31
